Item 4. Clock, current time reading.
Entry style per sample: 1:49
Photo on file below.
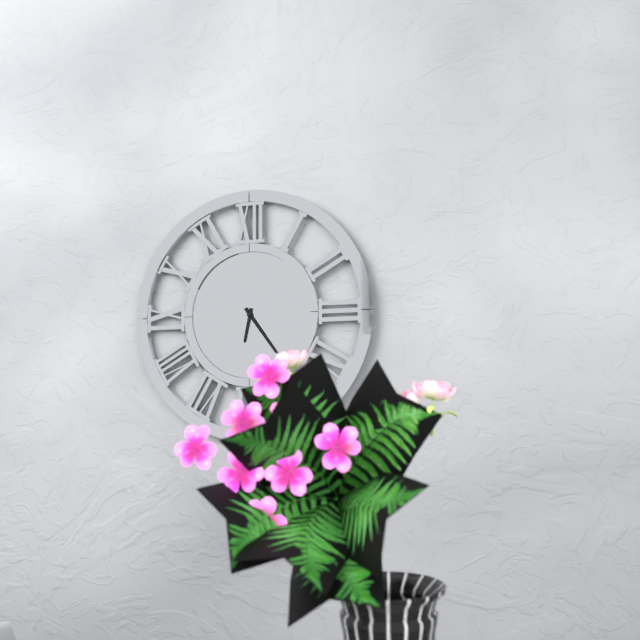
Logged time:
6:24
